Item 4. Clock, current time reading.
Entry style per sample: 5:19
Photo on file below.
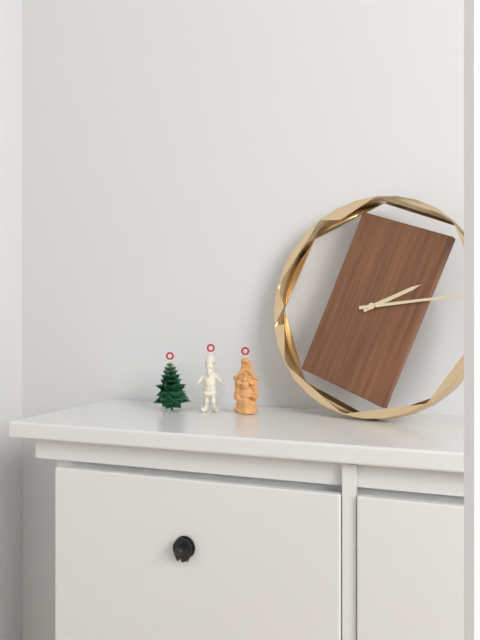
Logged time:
2:14
